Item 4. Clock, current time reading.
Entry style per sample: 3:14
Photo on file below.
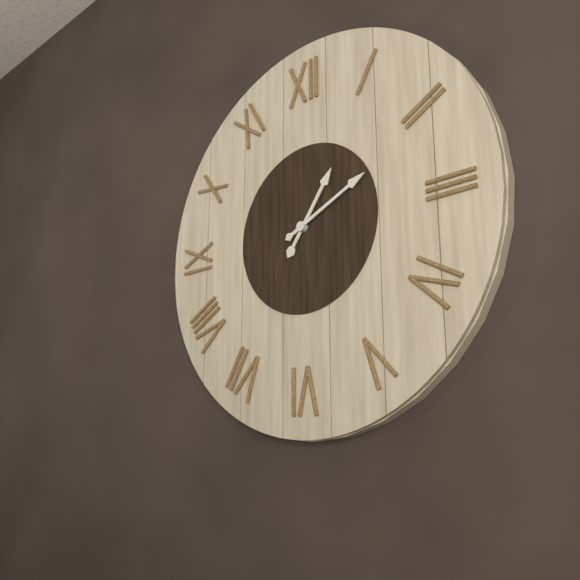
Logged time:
1:11
